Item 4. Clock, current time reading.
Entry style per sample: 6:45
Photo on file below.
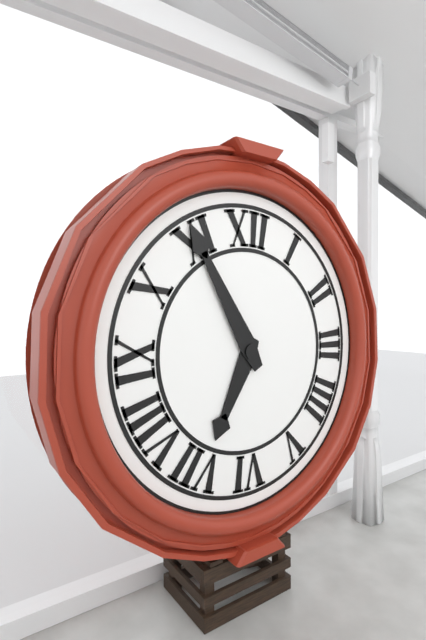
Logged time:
6:55
